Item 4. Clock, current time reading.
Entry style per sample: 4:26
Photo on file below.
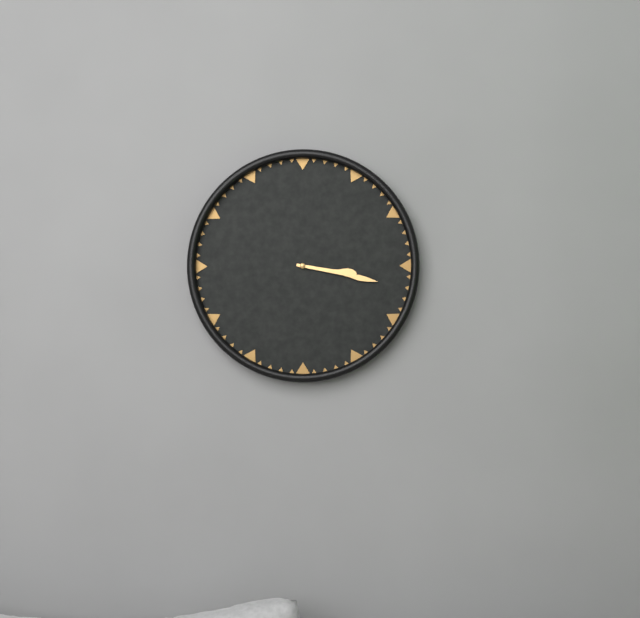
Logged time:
3:17
